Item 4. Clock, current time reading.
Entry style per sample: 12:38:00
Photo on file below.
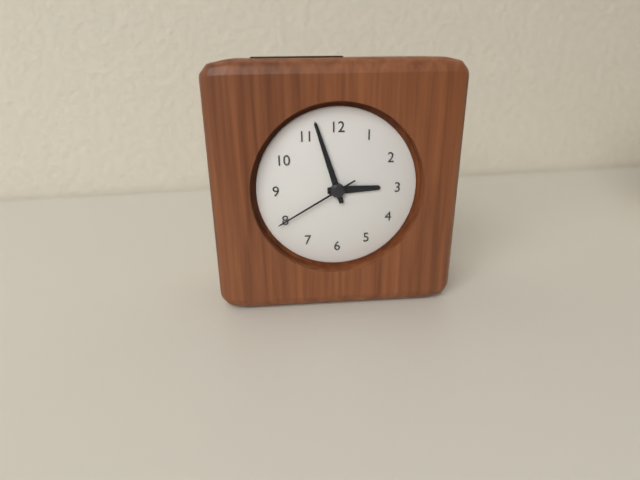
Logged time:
2:57:40
